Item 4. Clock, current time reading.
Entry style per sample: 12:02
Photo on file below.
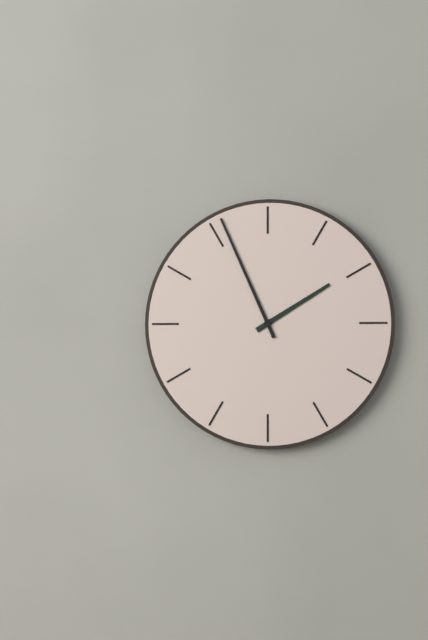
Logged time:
1:56
